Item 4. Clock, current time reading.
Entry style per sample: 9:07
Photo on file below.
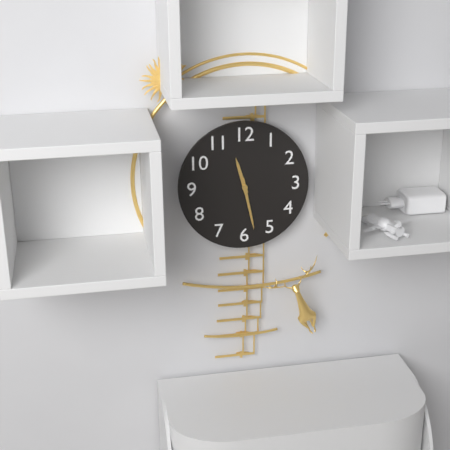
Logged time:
11:28
